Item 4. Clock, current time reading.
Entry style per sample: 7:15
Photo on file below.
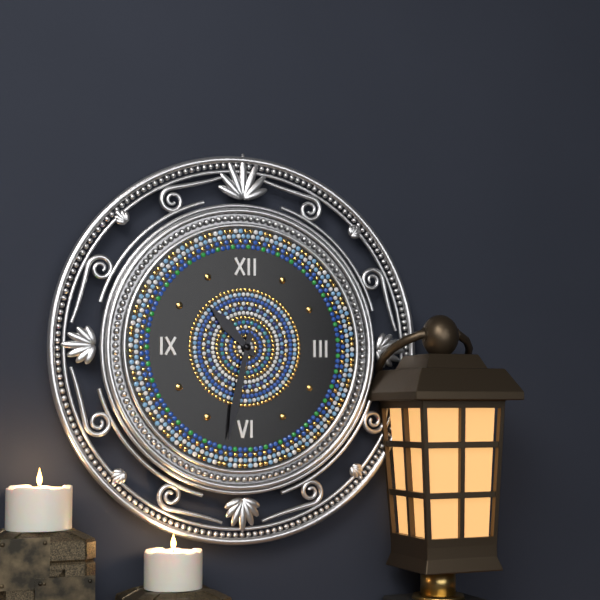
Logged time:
10:32
